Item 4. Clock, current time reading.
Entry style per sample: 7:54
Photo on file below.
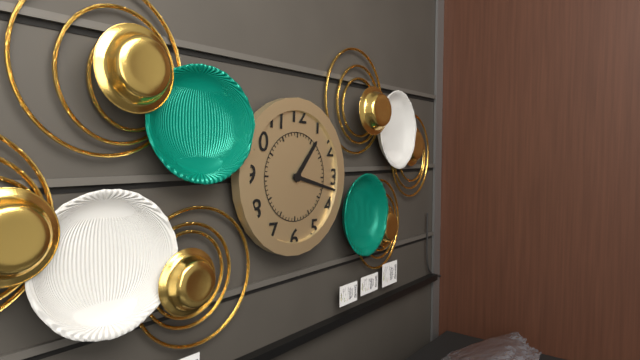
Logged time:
1:17
